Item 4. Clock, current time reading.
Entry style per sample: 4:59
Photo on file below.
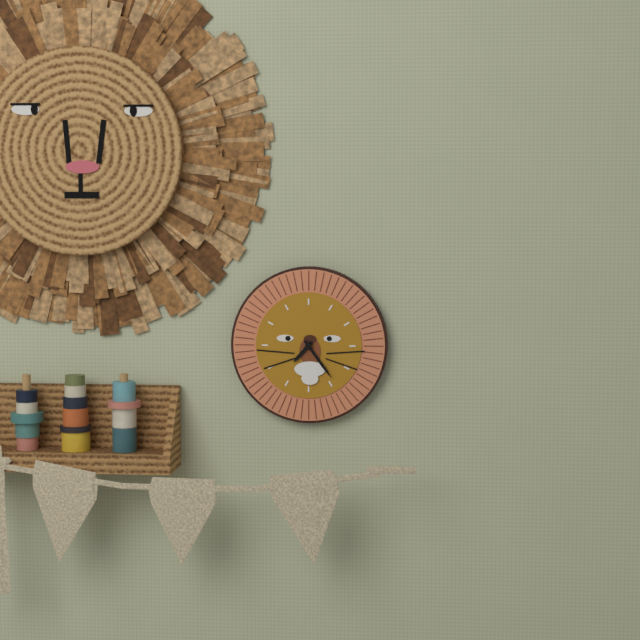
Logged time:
7:24
